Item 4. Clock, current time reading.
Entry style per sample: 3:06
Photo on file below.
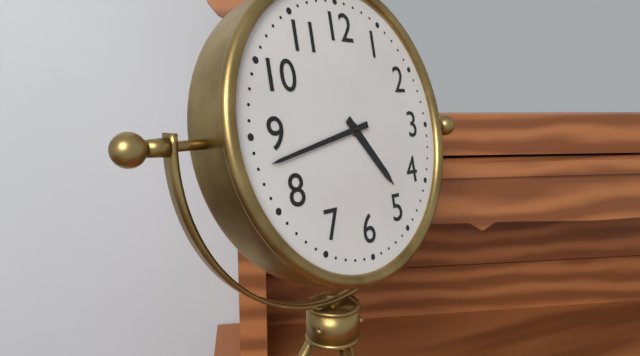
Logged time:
4:43
